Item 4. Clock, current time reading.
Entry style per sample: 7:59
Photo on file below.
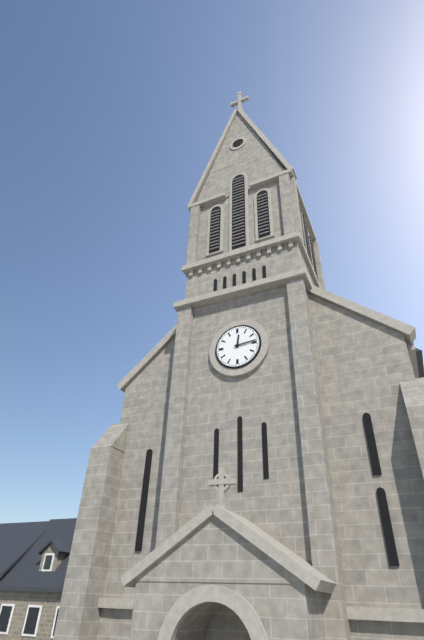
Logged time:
12:14
